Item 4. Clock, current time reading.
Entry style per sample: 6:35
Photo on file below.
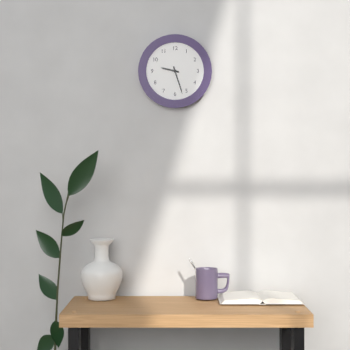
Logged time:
9:27
